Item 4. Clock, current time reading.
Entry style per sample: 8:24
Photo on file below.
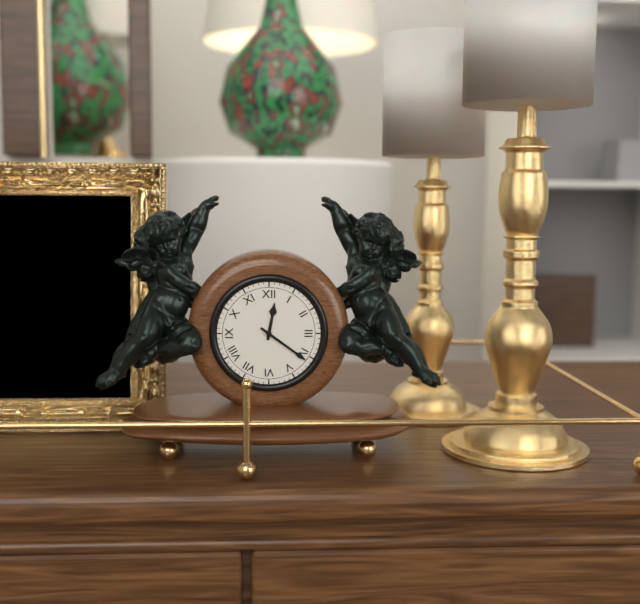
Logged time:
12:21
